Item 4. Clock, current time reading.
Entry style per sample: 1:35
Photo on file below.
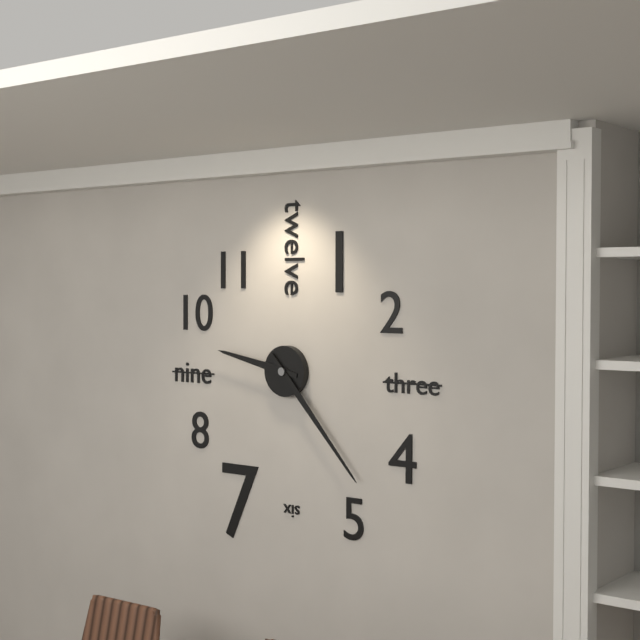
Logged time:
9:23
